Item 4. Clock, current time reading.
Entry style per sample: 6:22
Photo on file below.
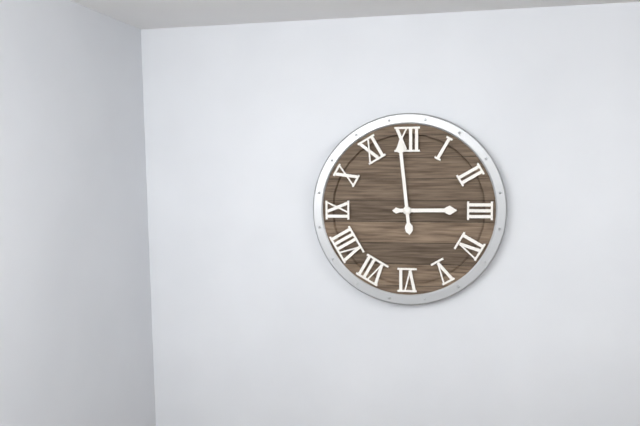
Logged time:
2:59
